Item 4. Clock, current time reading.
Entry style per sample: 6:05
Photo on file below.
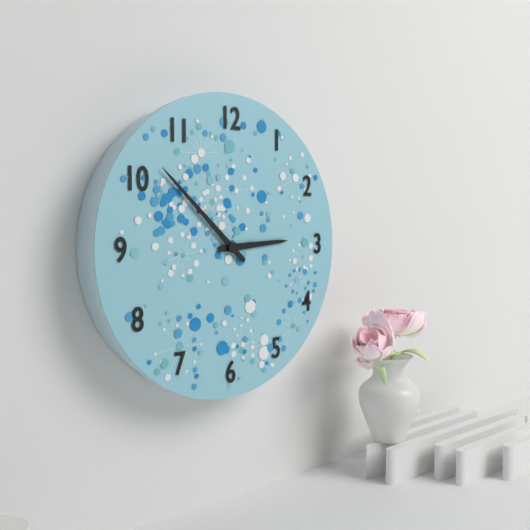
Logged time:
2:52
